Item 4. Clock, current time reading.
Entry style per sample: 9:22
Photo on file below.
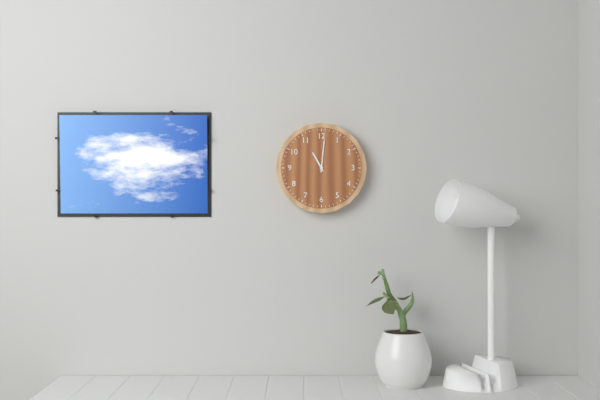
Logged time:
11:01
